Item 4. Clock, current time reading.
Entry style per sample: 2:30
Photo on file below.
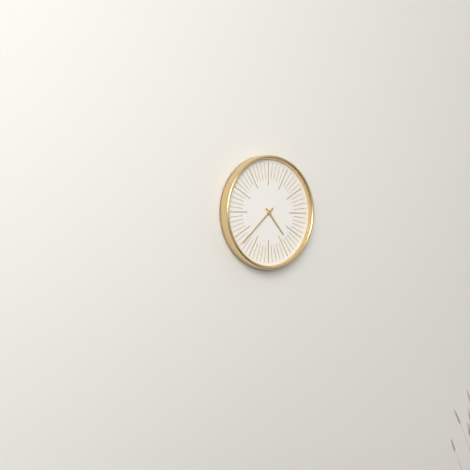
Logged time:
4:38
